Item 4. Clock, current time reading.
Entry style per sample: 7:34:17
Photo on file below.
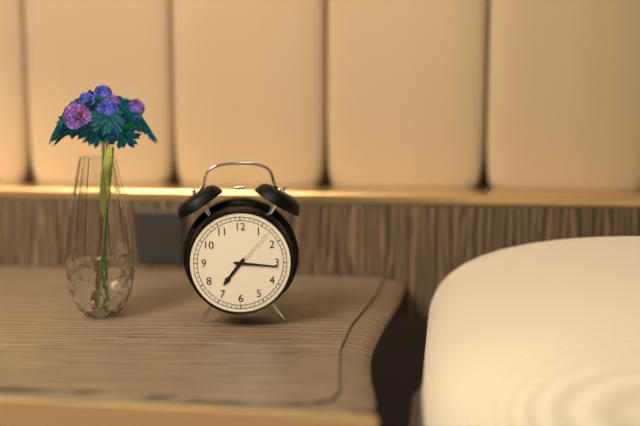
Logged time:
7:16:07
